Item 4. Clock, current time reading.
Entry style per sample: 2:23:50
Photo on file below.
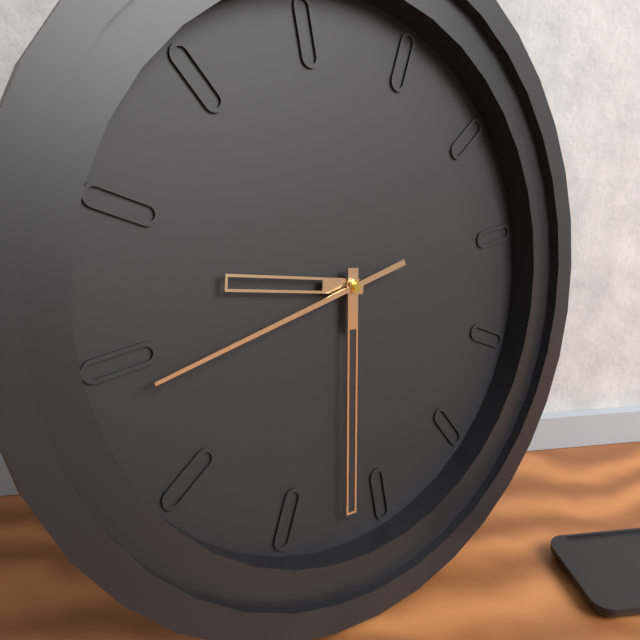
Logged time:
9:32:44
